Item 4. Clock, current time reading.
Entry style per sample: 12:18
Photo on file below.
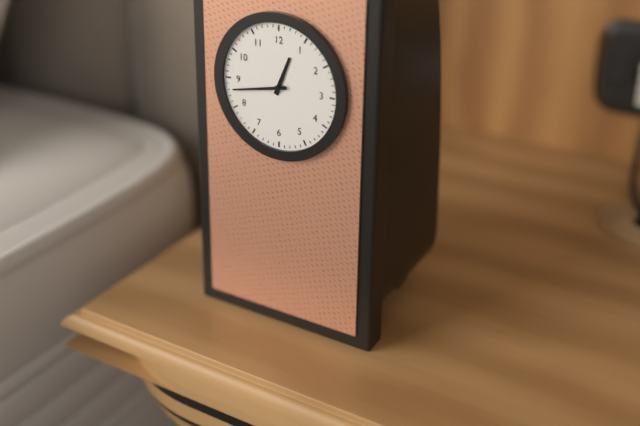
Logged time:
12:43
